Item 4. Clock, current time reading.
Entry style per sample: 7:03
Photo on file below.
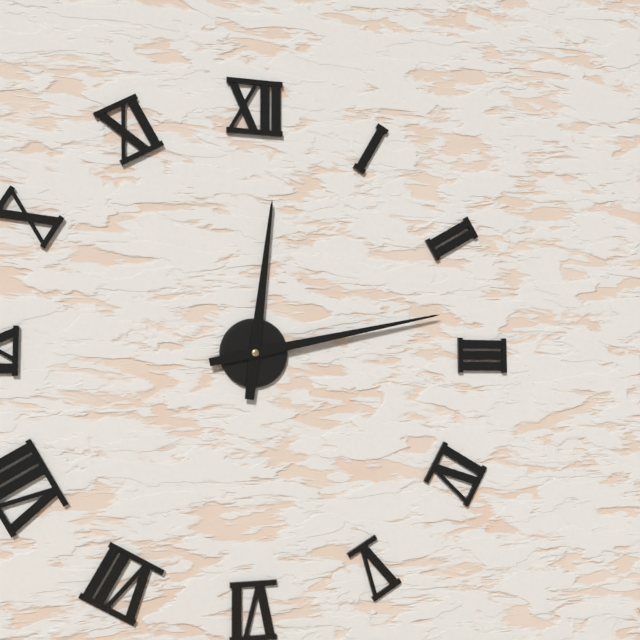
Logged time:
12:13
